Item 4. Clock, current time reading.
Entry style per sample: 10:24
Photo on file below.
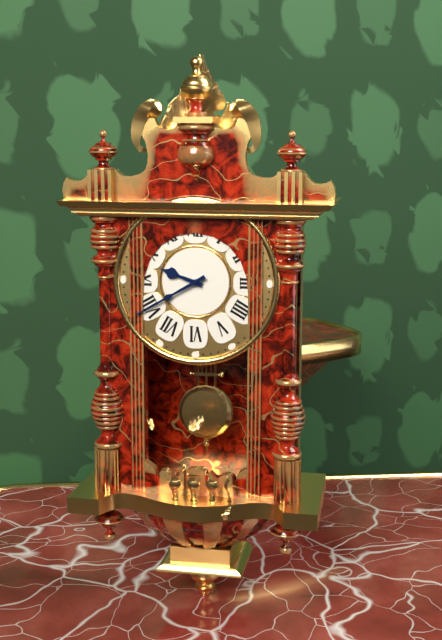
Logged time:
9:40
